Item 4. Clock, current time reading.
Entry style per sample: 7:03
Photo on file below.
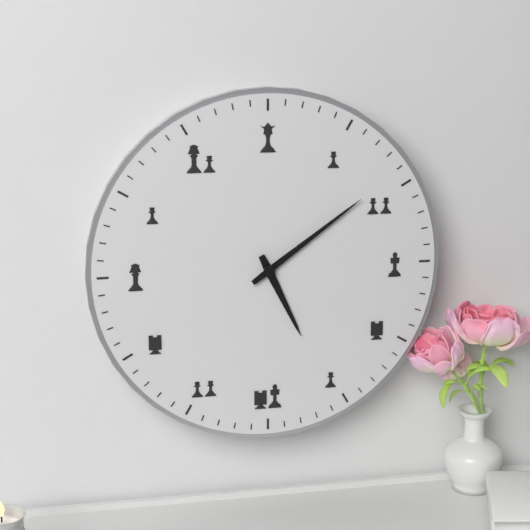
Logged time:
5:09
